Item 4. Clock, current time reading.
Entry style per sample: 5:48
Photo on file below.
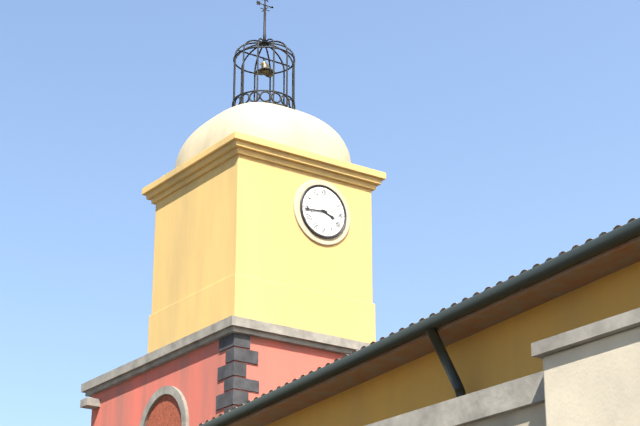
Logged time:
3:44
